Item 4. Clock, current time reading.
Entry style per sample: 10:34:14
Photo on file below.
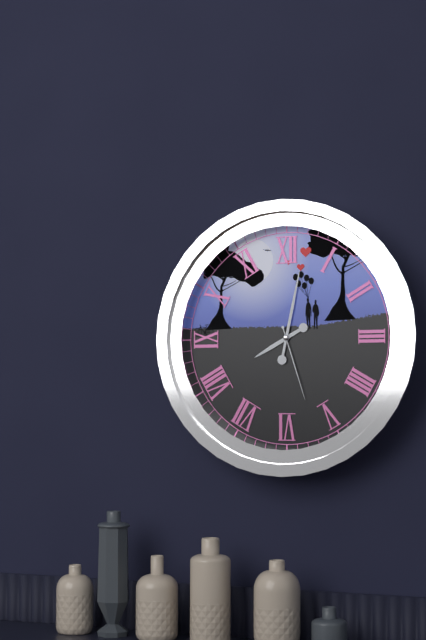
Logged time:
8:02:27
